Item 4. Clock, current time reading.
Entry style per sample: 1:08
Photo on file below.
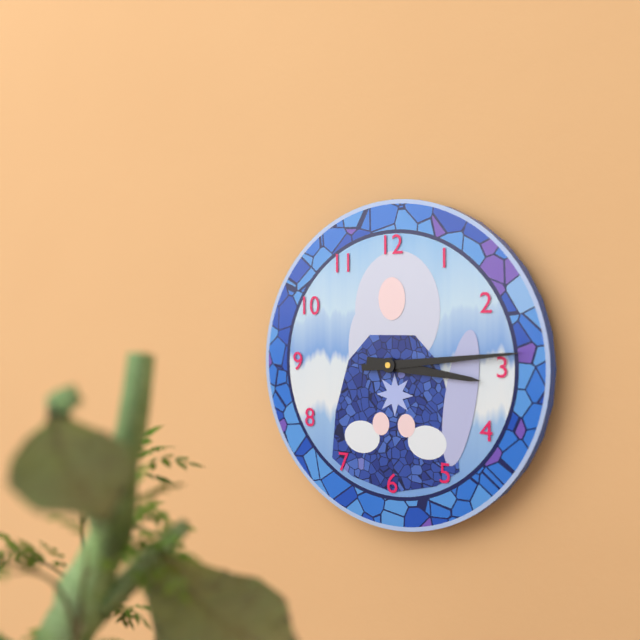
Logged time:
3:14
